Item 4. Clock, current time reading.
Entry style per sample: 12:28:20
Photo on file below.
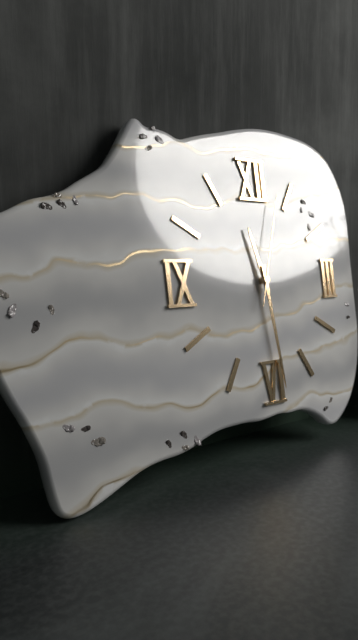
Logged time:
11:29:03
